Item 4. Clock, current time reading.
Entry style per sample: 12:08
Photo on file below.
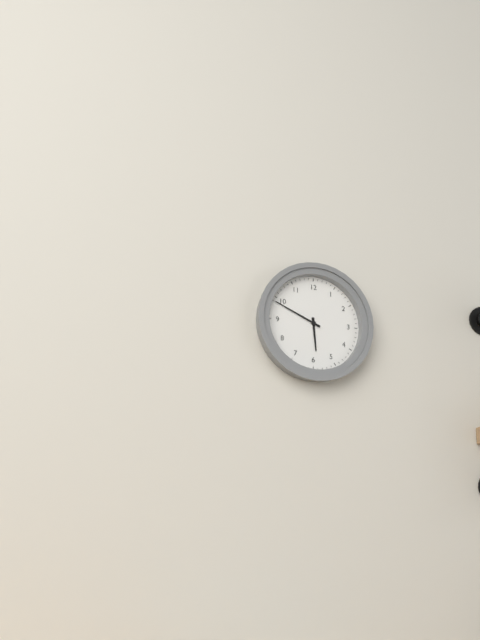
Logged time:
5:49
